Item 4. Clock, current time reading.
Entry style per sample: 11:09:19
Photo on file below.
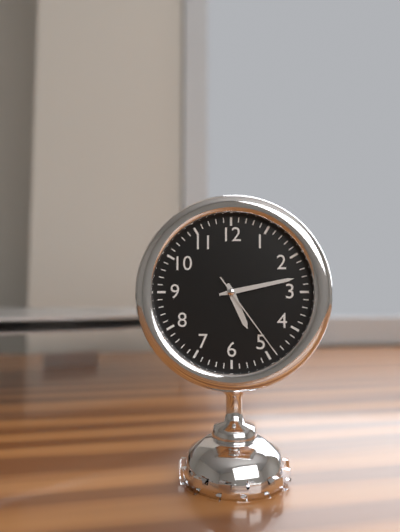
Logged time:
5:13:24
